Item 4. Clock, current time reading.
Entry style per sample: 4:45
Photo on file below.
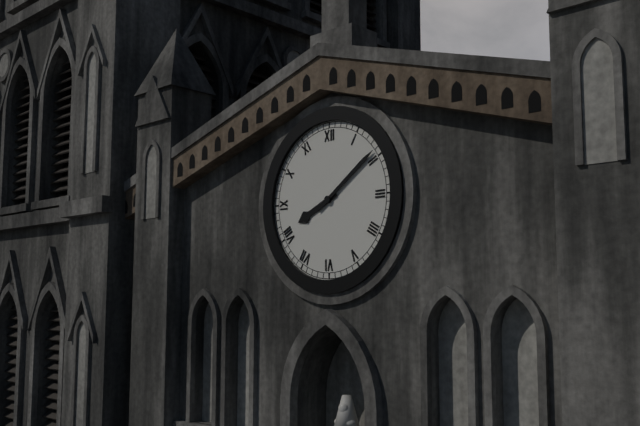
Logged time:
8:09
